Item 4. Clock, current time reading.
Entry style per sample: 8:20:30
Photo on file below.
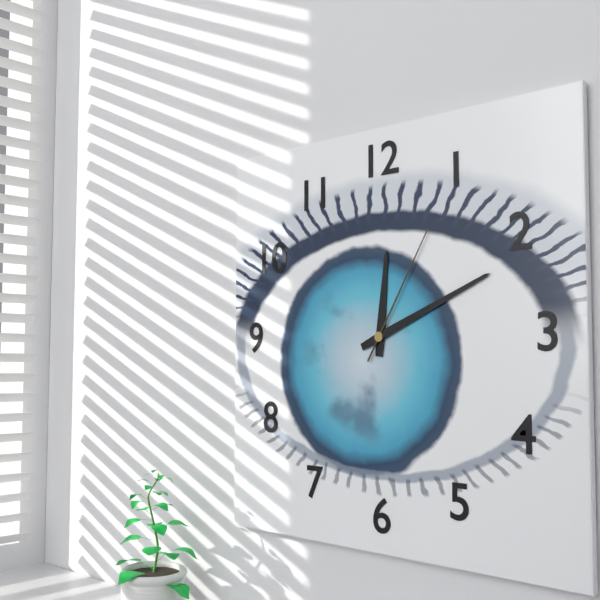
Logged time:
12:11:05
